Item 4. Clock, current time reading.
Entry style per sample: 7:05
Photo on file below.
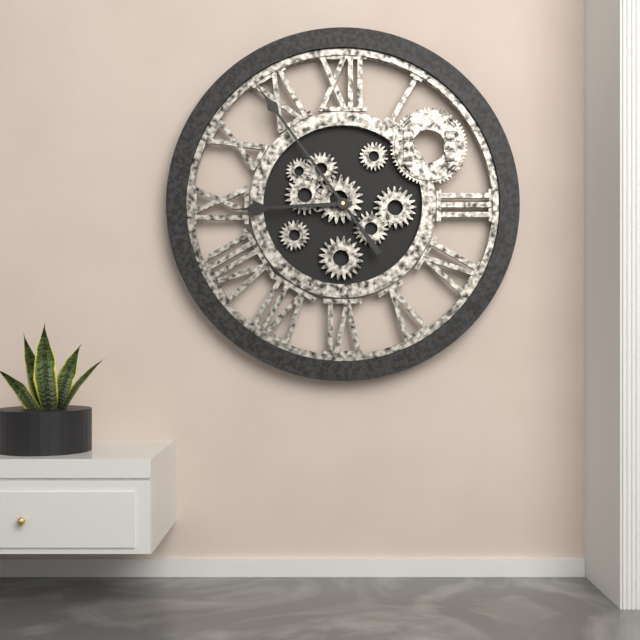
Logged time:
8:54
